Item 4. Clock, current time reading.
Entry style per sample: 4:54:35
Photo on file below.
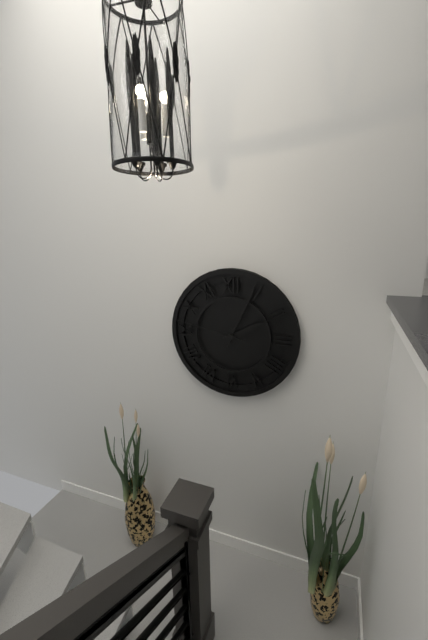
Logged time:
2:04:47
